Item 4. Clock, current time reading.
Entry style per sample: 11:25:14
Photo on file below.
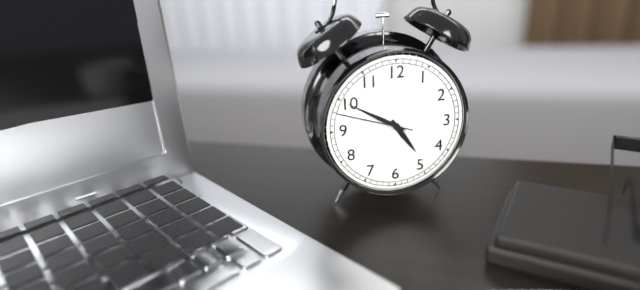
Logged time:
4:50:48
